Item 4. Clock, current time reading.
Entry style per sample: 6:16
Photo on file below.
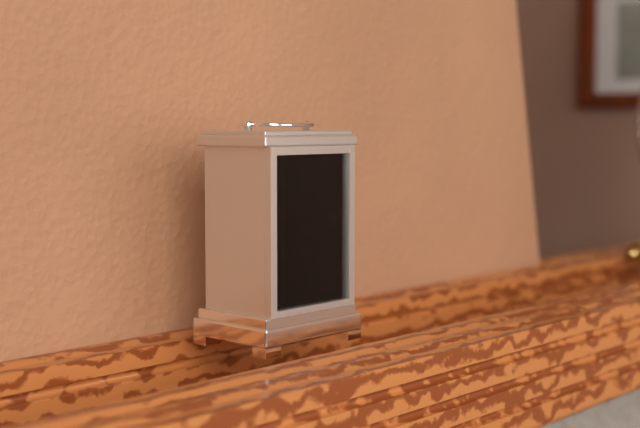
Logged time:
8:57
